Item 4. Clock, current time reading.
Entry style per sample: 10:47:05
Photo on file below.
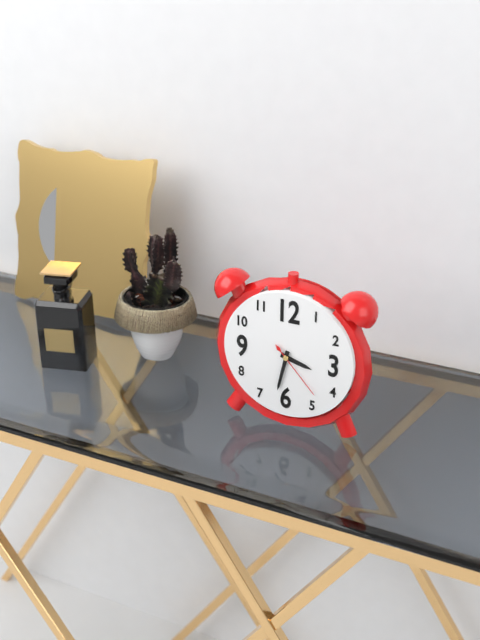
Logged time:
3:32:23
